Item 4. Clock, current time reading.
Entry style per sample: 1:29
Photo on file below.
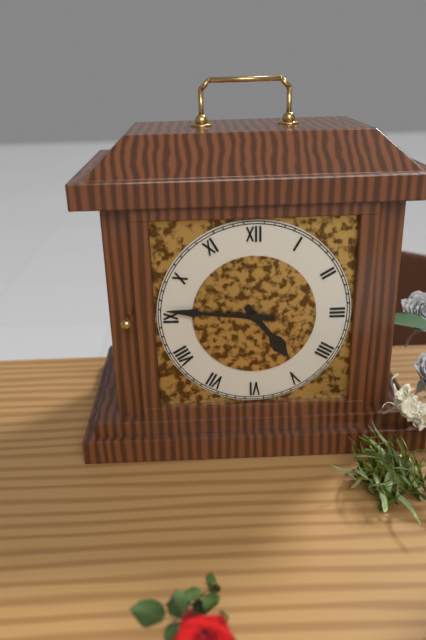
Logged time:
4:46
